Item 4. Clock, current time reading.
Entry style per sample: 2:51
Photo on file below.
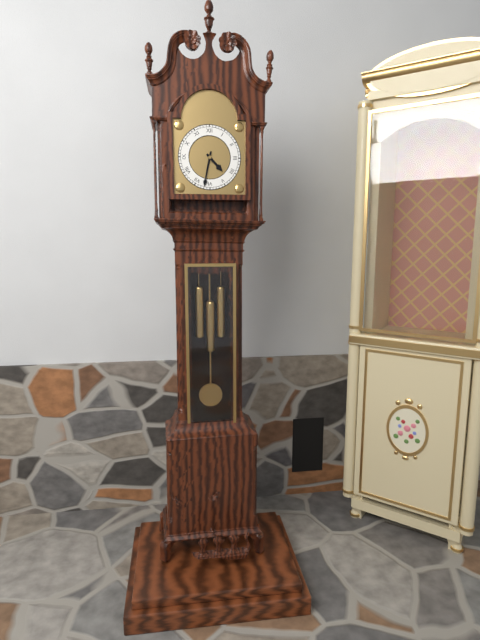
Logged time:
4:32
